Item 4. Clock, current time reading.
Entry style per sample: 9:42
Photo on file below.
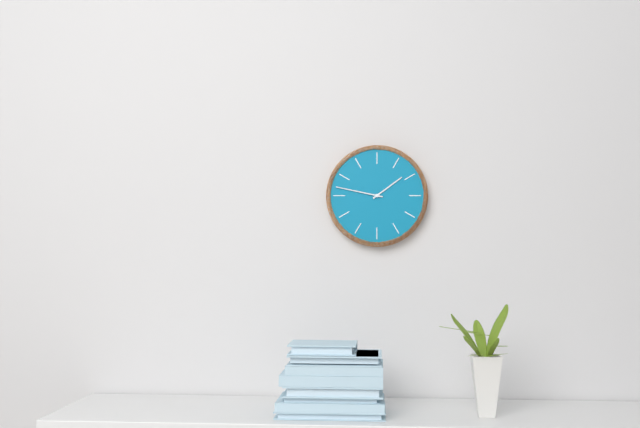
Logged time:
1:47
